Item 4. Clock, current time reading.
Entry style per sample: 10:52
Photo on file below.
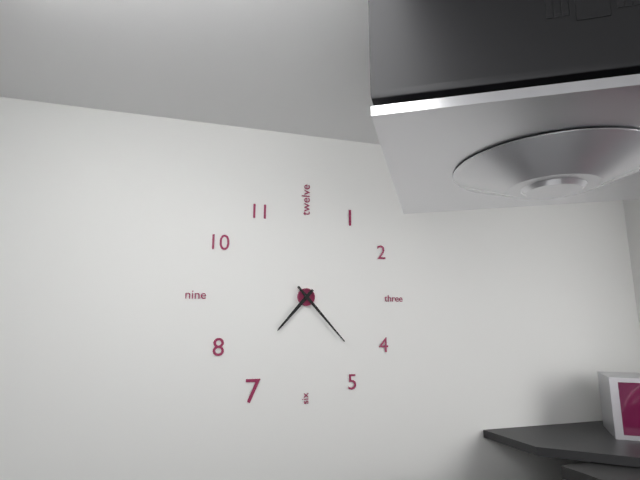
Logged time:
7:23
